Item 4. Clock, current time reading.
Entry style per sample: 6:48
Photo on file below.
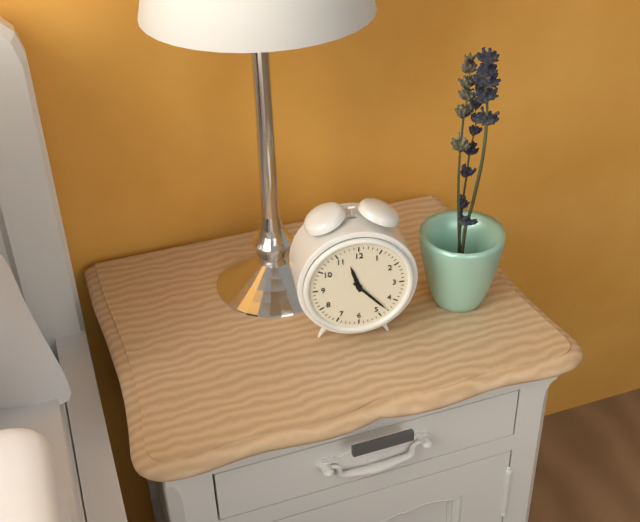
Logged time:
11:23
